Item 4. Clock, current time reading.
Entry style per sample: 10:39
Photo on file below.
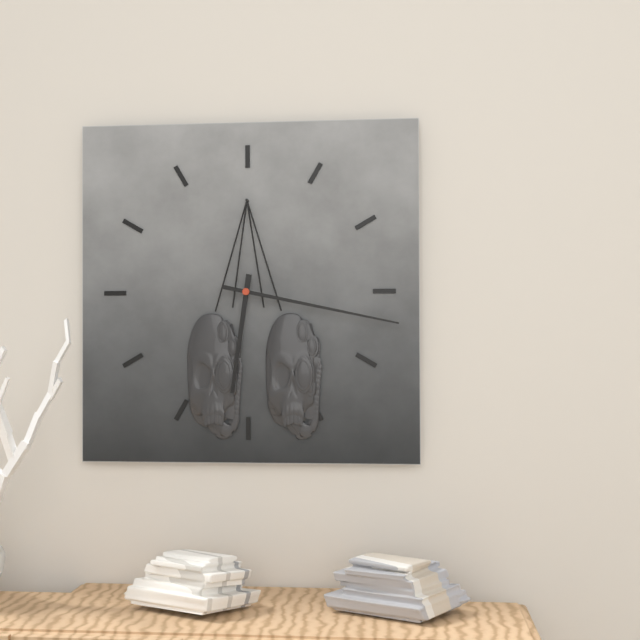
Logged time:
6:17
